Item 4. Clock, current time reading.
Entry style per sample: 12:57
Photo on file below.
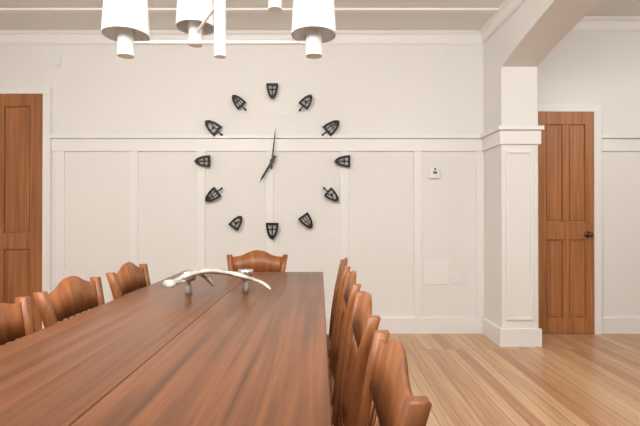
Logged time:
7:01
